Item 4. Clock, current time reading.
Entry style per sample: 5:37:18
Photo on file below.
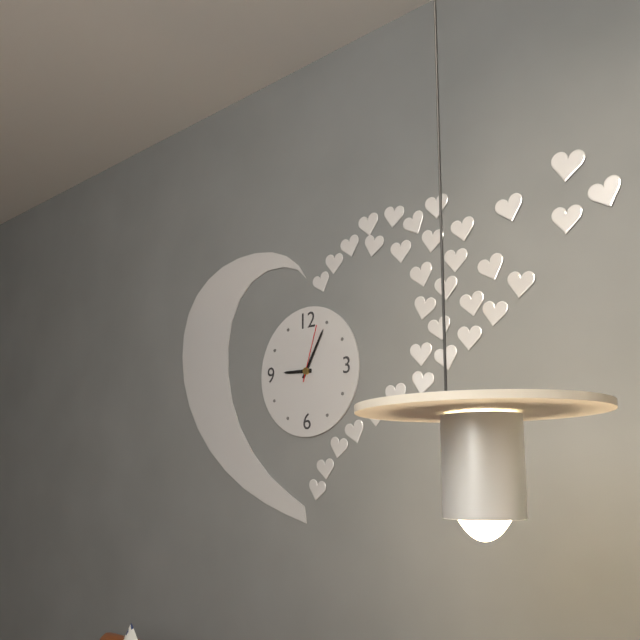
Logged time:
9:05:03
